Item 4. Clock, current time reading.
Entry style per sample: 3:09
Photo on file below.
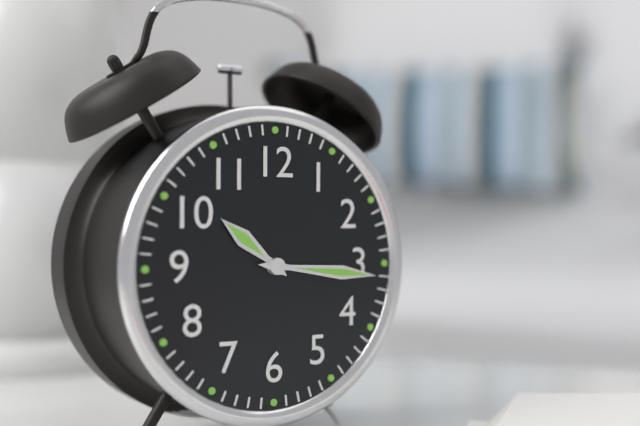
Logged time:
10:16
